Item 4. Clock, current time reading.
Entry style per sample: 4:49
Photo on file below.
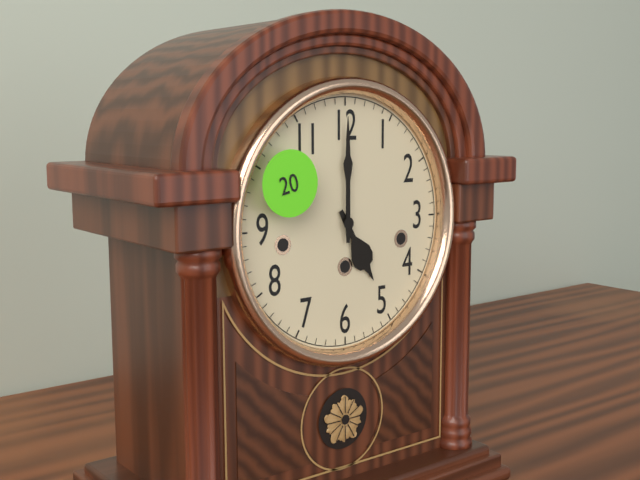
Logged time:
5:00
